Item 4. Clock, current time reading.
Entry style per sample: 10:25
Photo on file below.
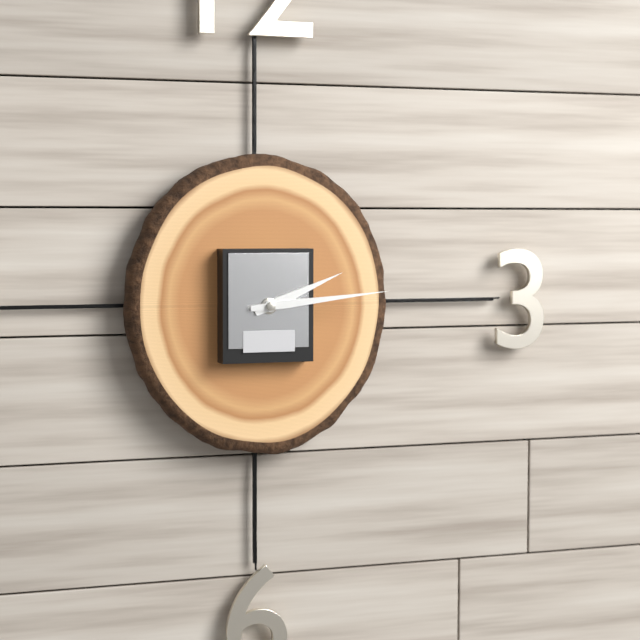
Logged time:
2:14
